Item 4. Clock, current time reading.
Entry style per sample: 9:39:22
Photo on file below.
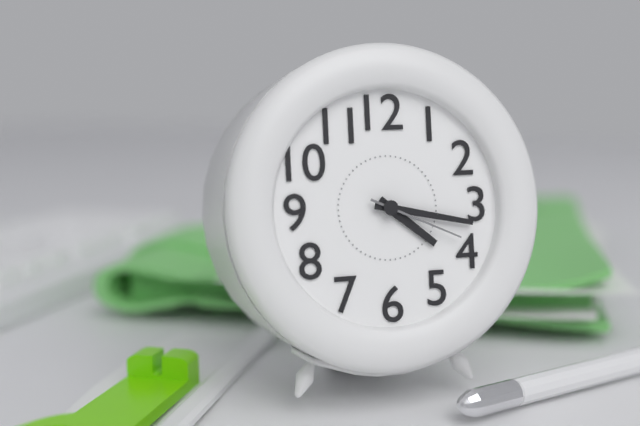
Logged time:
4:17:19
